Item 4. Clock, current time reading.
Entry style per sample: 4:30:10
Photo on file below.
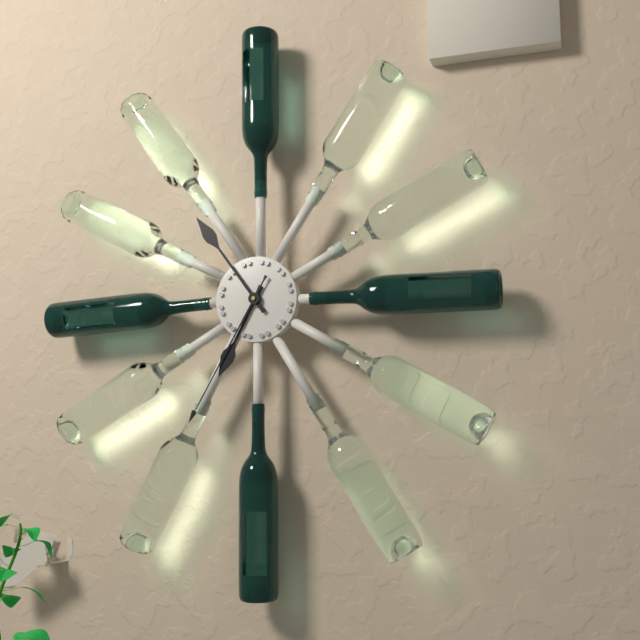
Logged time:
6:54:35
